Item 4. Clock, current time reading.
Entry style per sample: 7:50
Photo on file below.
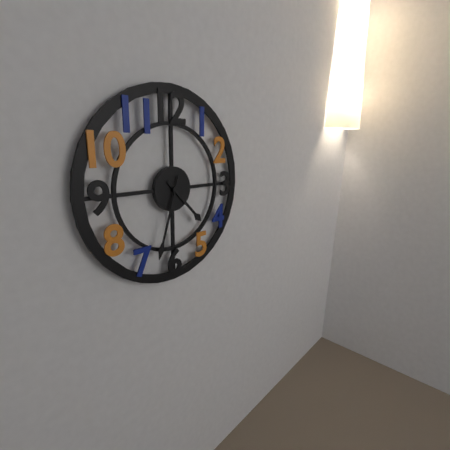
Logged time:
4:33
